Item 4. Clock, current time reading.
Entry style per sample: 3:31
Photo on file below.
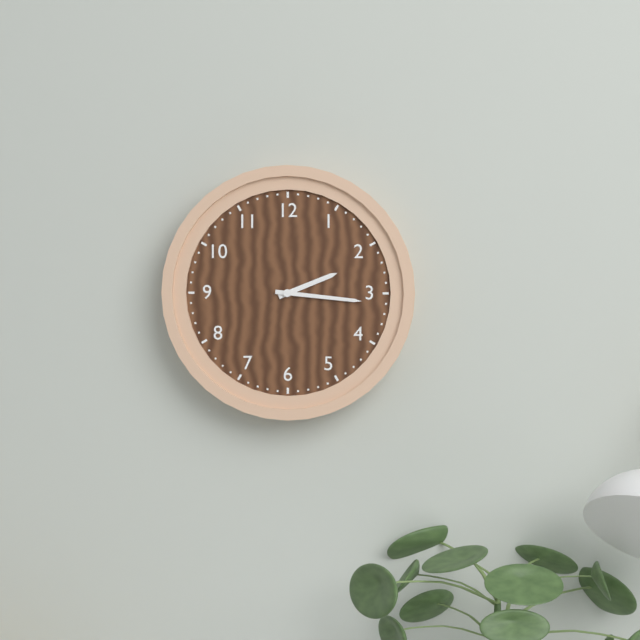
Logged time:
2:16
